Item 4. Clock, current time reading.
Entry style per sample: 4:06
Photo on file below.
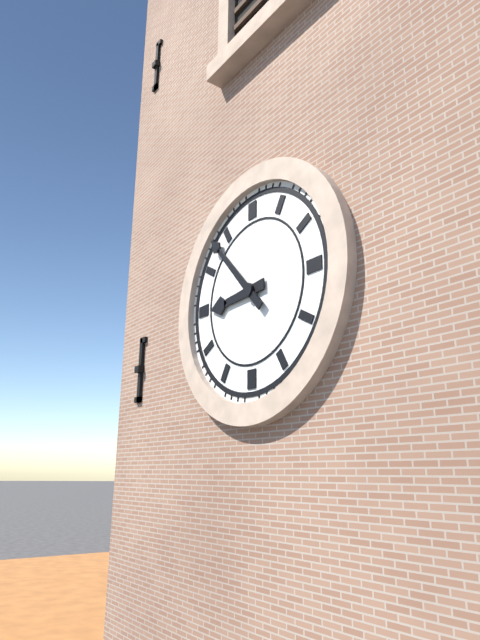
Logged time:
8:53
